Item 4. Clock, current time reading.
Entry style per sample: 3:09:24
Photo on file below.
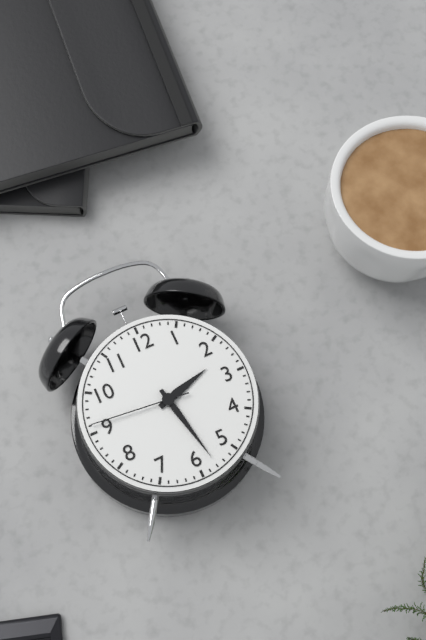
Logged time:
2:28:46
